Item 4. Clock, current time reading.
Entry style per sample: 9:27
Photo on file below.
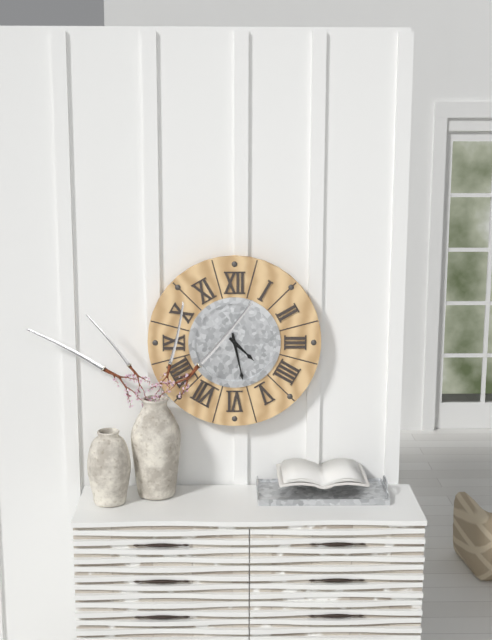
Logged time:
4:28
